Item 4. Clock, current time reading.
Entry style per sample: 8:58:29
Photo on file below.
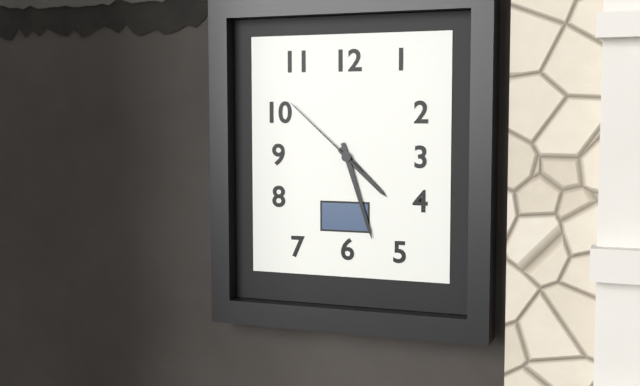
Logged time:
4:27:52
